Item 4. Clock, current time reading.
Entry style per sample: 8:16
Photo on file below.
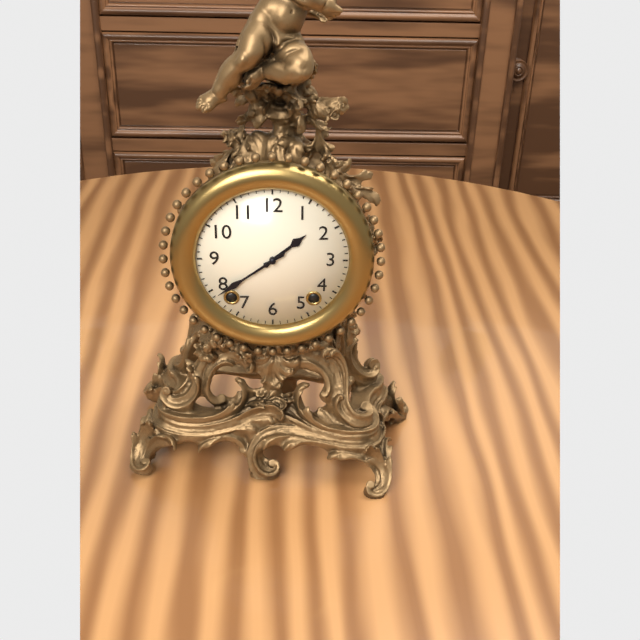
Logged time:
1:39
